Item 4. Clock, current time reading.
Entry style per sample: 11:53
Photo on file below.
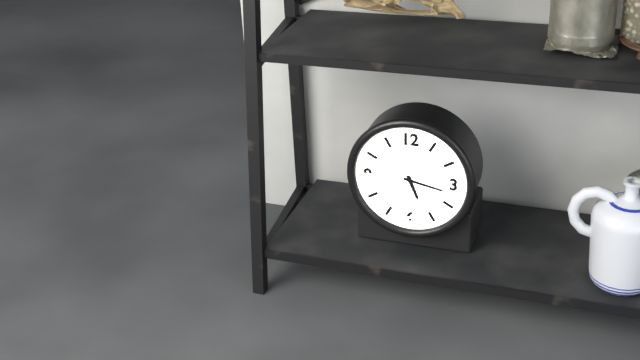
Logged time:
5:17
